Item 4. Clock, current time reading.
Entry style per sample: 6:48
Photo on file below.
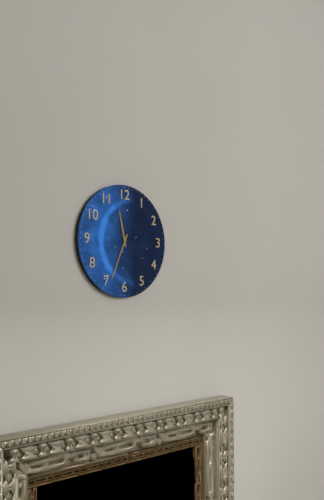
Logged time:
11:34
